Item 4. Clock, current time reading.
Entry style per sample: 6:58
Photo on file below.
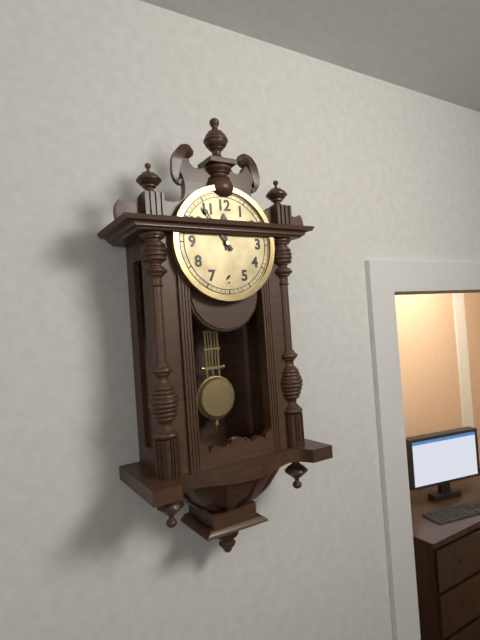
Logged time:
11:54
